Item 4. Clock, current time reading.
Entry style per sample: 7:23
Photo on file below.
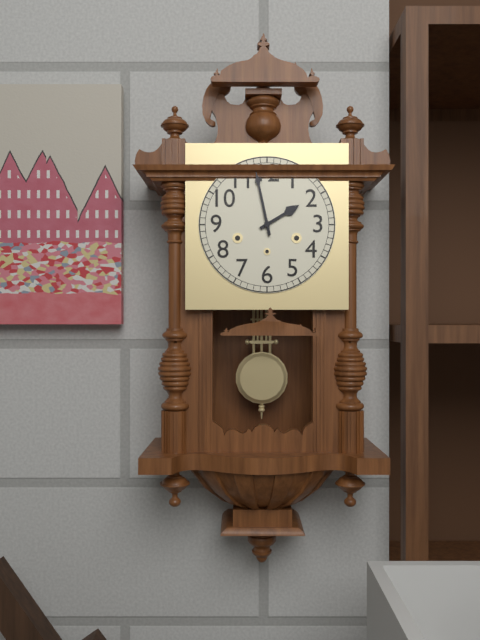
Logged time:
1:58
